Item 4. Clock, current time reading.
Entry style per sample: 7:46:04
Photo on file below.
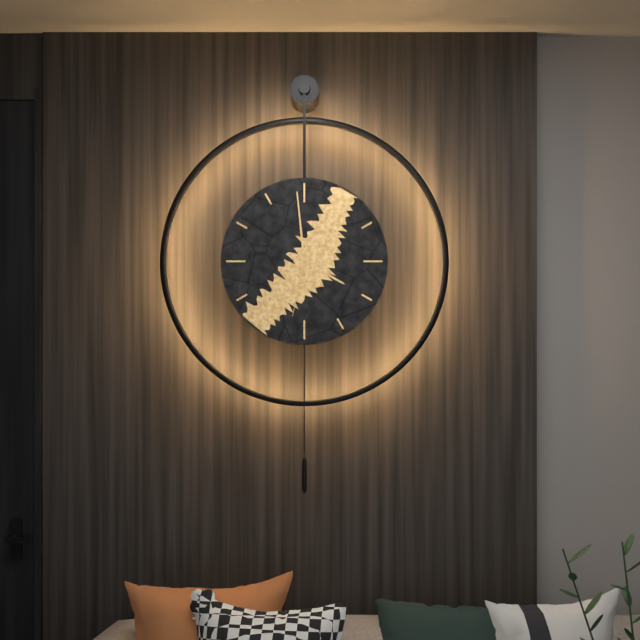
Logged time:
3:59:32
